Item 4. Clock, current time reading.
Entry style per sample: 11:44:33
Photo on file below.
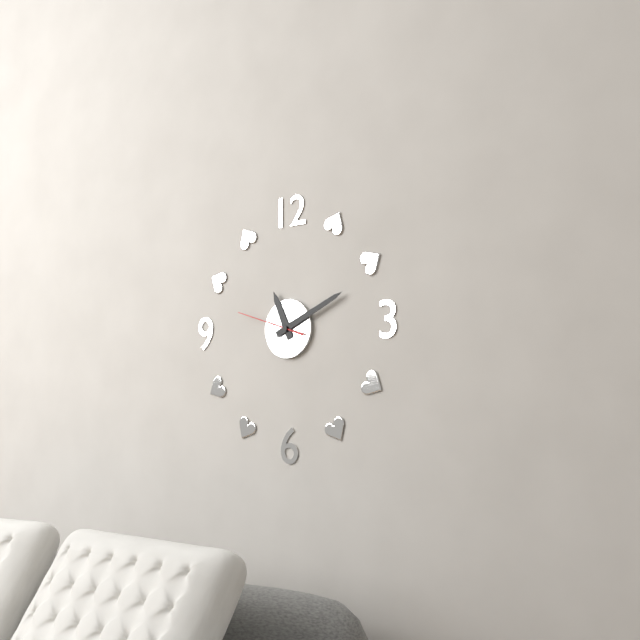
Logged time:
11:11:48
